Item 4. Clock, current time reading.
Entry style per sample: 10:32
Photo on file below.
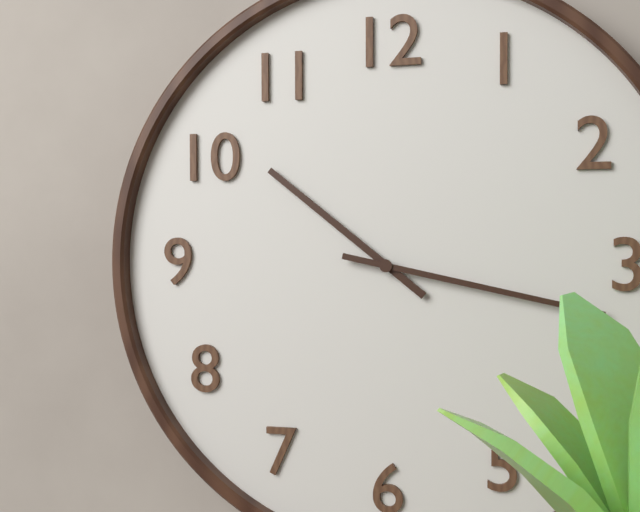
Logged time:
10:17
